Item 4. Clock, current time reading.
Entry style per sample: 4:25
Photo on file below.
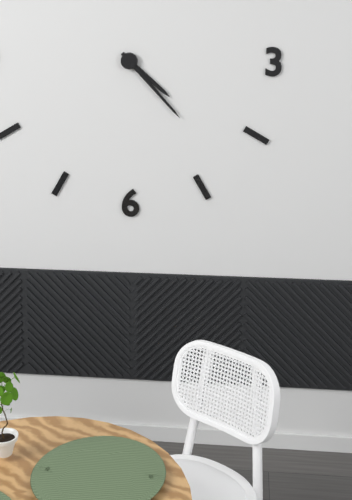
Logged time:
4:23
